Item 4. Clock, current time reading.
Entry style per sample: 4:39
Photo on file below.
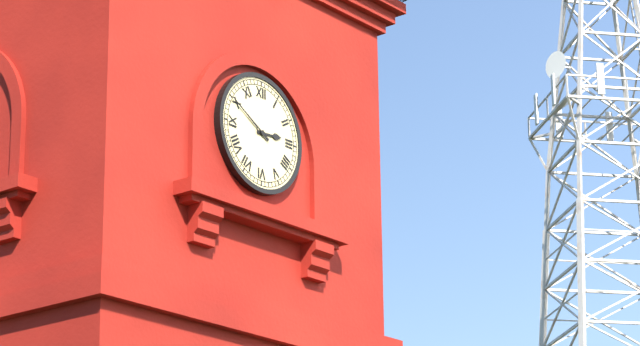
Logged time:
2:50
